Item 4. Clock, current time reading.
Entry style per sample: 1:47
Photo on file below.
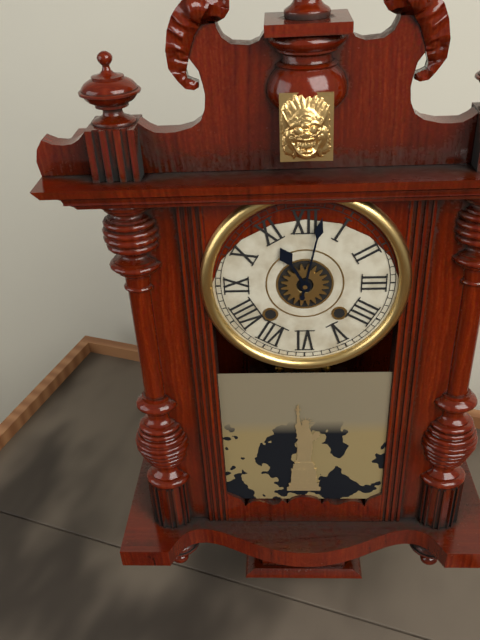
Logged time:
11:02
